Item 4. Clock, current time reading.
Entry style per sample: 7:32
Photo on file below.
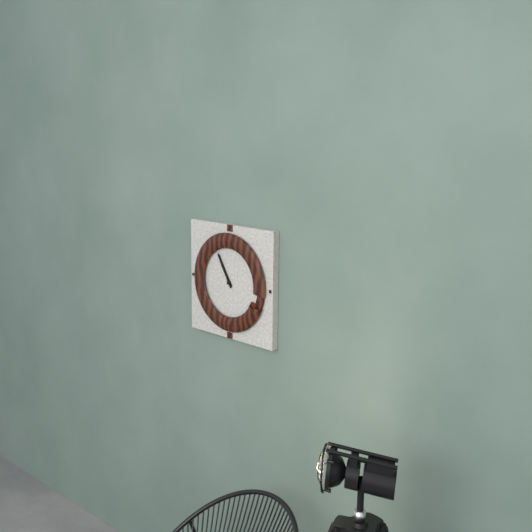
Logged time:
10:55
